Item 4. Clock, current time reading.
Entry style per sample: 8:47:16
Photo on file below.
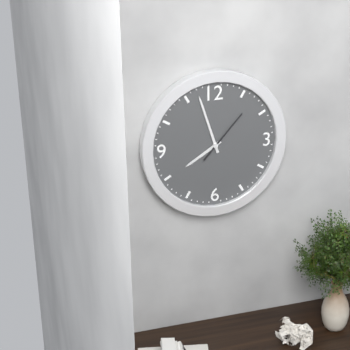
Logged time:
7:57:07
